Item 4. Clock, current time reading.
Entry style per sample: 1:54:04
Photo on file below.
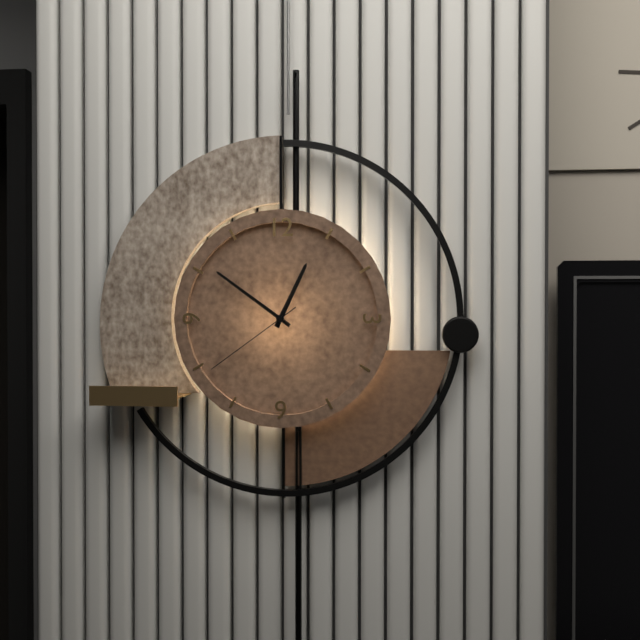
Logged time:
12:51:39
